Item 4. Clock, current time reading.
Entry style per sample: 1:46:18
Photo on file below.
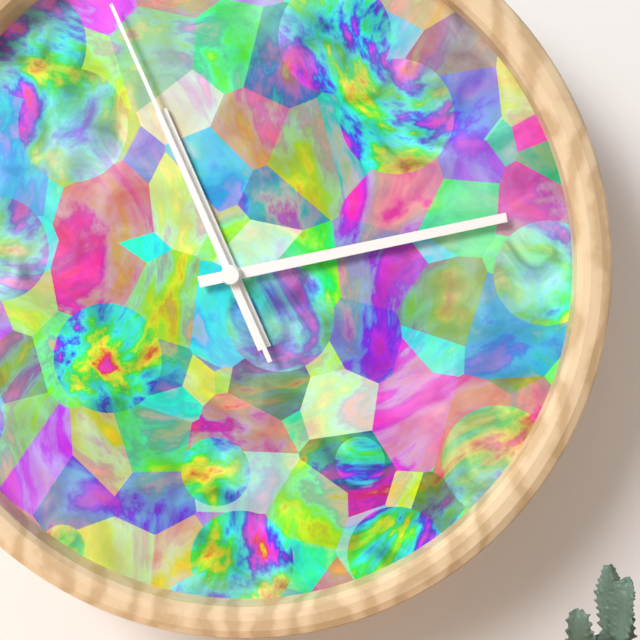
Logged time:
11:13:56
